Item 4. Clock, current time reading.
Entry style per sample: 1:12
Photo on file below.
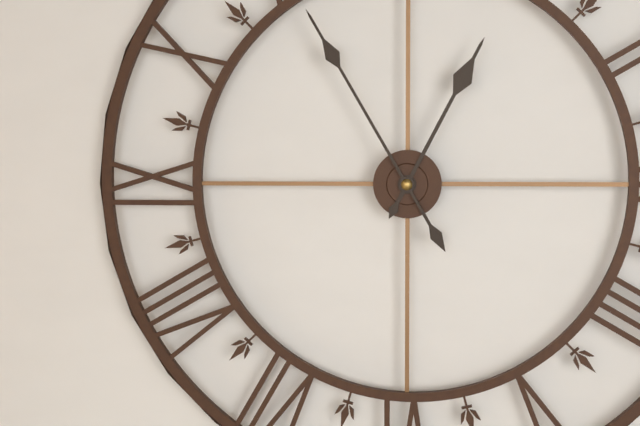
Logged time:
12:55
